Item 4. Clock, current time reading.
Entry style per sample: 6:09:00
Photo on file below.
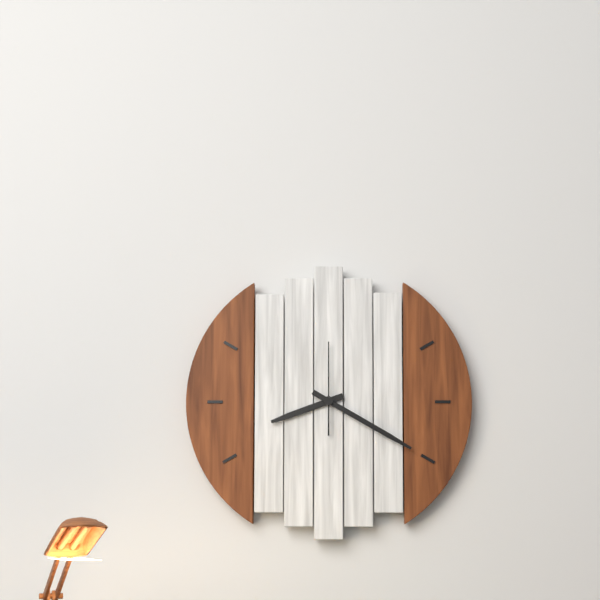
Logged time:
8:20:00
